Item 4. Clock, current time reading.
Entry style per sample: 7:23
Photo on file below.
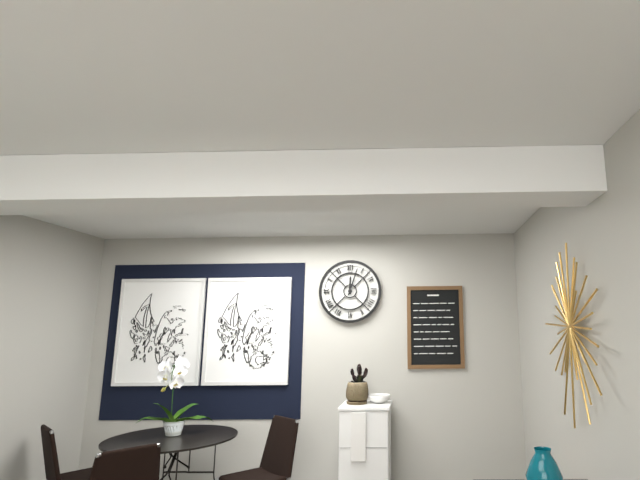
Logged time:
12:03
